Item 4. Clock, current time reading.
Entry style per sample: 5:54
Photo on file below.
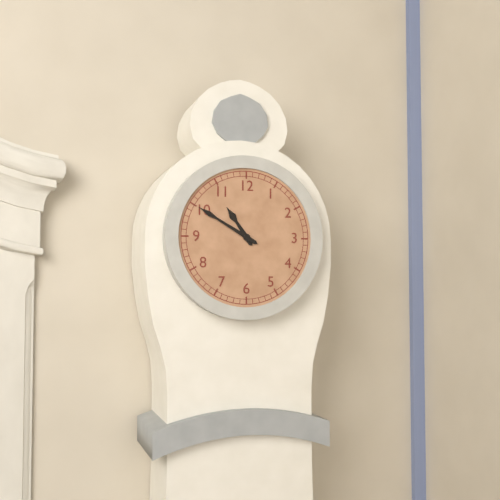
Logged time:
10:50
